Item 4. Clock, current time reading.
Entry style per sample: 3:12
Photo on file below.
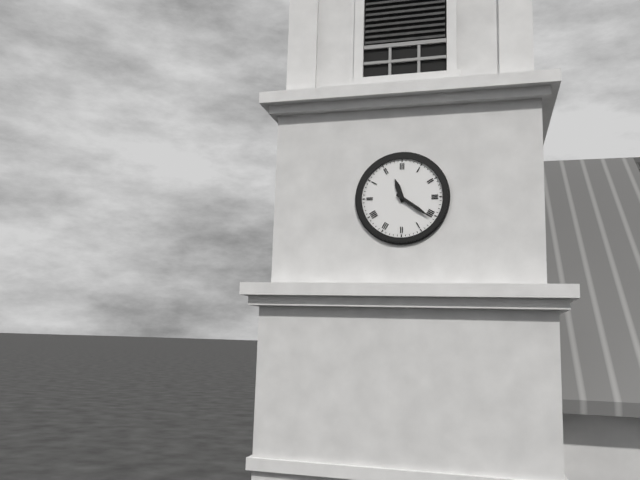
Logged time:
11:21
